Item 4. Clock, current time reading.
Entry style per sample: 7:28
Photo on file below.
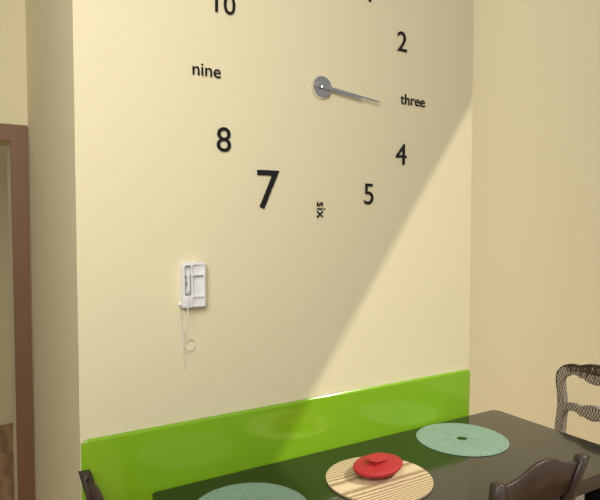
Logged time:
3:16
